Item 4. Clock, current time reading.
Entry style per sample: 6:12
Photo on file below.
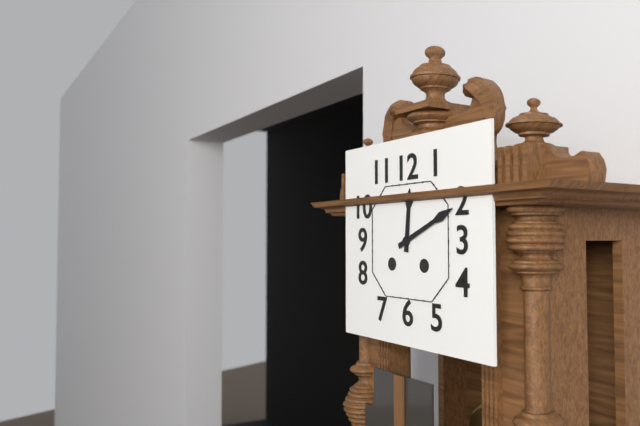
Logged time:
12:11
